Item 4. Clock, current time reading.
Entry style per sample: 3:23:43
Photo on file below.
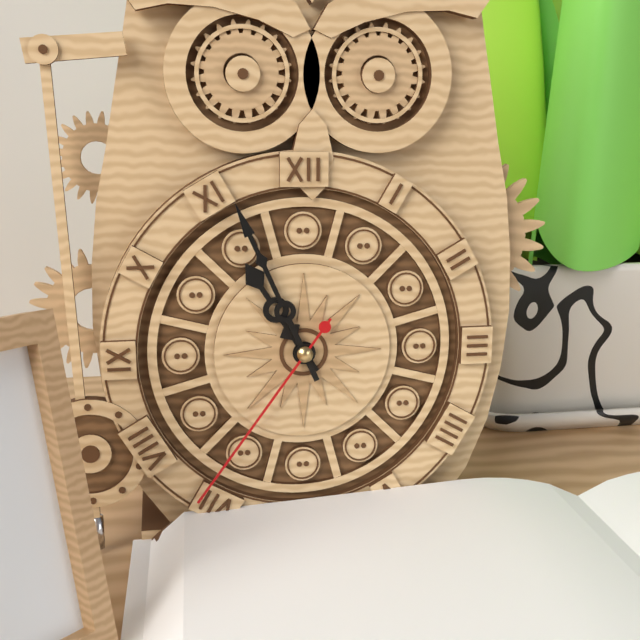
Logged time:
10:56:36
